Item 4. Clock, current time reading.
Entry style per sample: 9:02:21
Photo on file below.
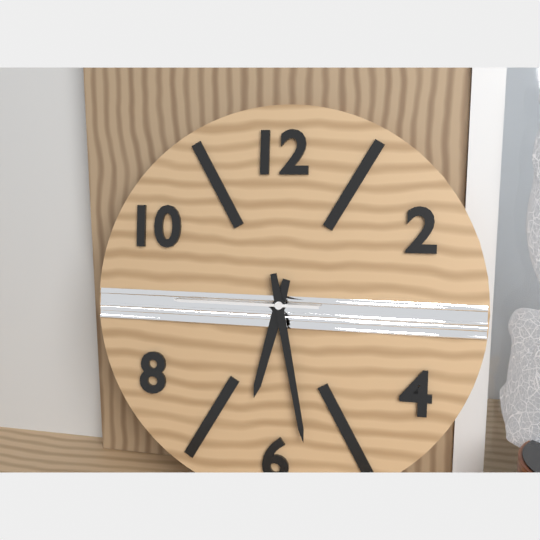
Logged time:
6:28:45
